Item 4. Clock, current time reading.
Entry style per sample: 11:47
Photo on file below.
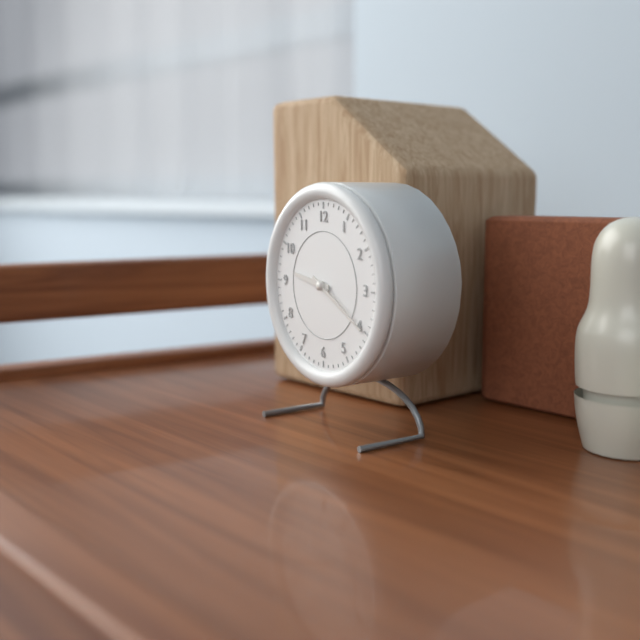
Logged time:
9:20
